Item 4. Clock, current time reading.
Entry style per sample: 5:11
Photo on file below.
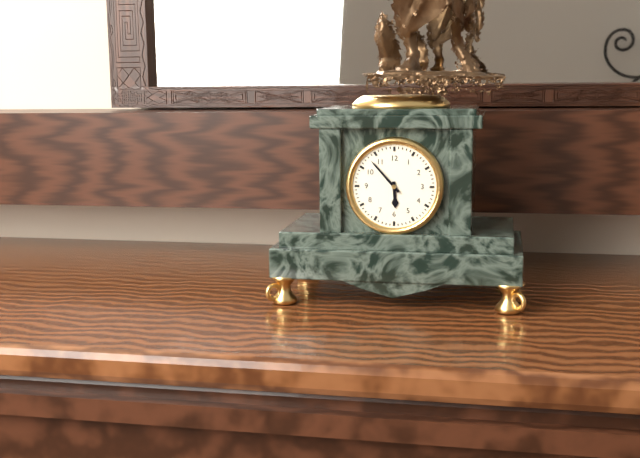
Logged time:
5:53
